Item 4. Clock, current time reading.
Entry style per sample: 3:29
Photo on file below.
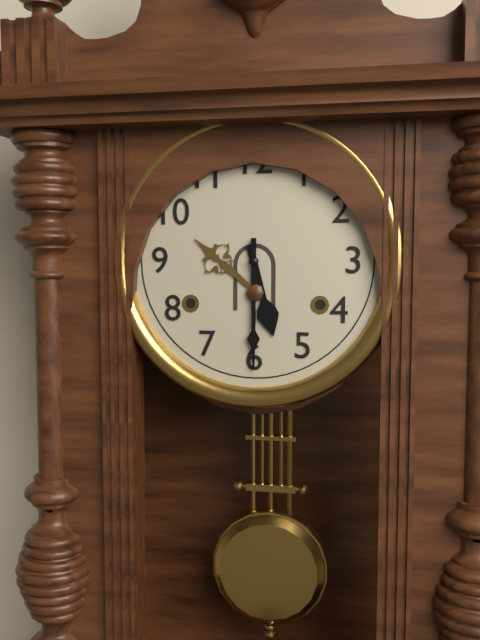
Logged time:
5:30
